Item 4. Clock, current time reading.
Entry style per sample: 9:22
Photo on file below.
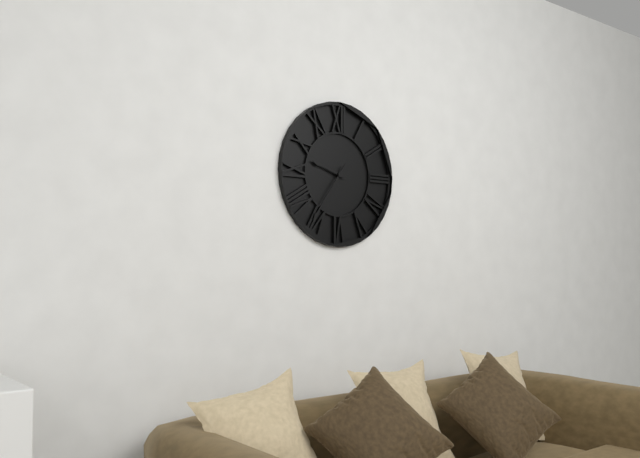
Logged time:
9:36
